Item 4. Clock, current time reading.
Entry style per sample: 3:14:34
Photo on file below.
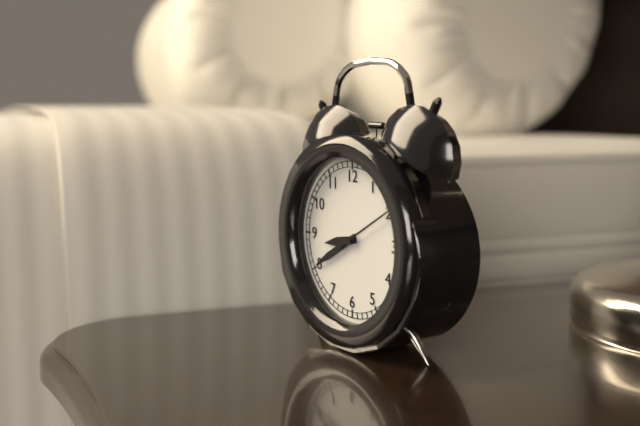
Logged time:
8:40:10
